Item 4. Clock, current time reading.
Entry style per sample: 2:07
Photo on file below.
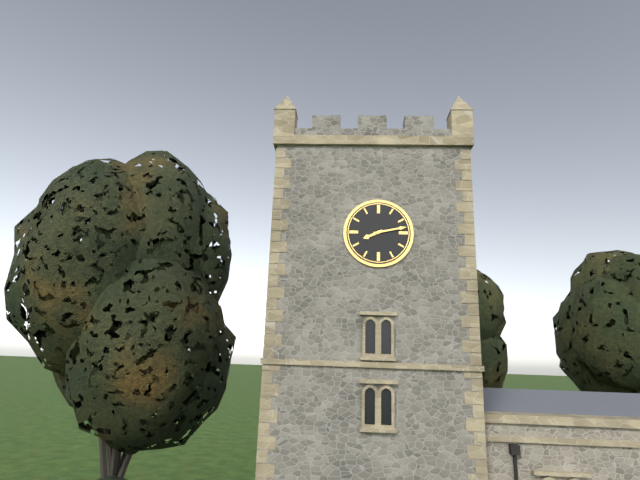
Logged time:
8:13
